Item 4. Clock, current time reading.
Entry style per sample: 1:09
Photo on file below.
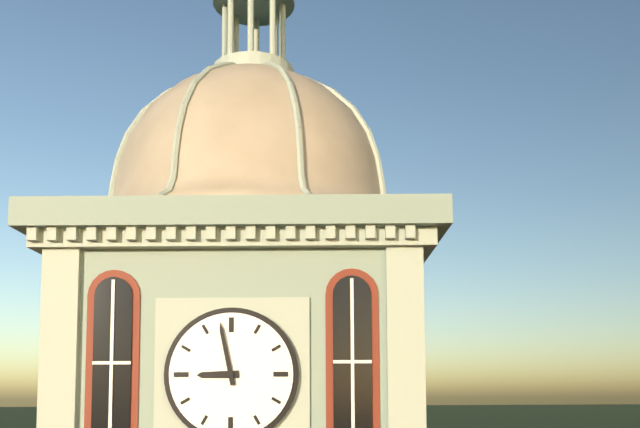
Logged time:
8:58
